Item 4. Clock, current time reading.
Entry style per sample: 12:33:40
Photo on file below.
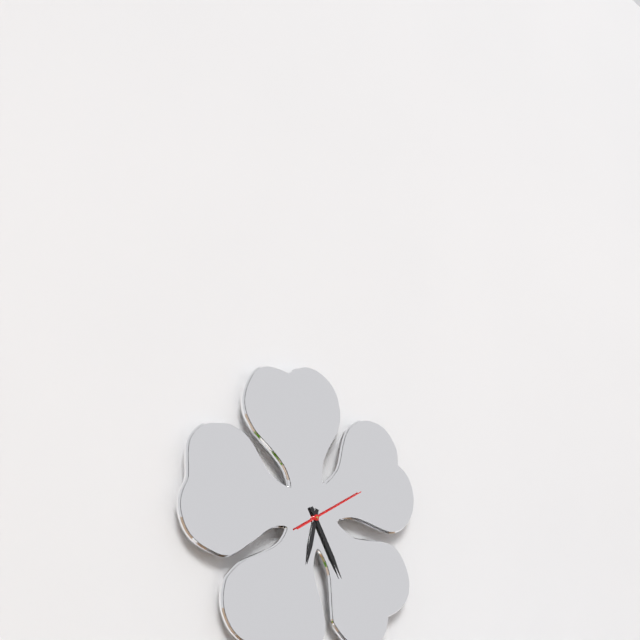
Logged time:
6:25:10
